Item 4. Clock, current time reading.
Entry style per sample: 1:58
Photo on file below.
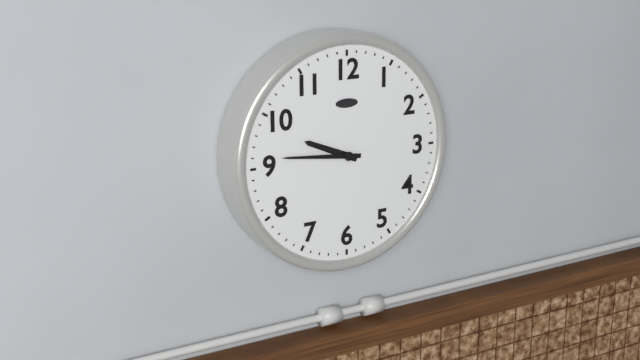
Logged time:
9:46
